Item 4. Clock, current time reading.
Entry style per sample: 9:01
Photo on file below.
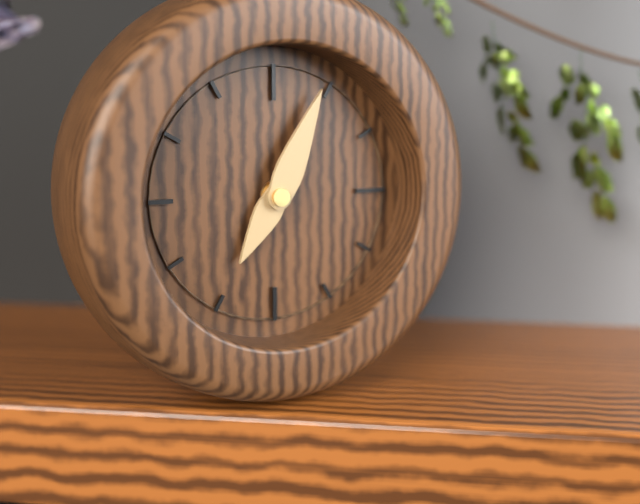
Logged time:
7:04
